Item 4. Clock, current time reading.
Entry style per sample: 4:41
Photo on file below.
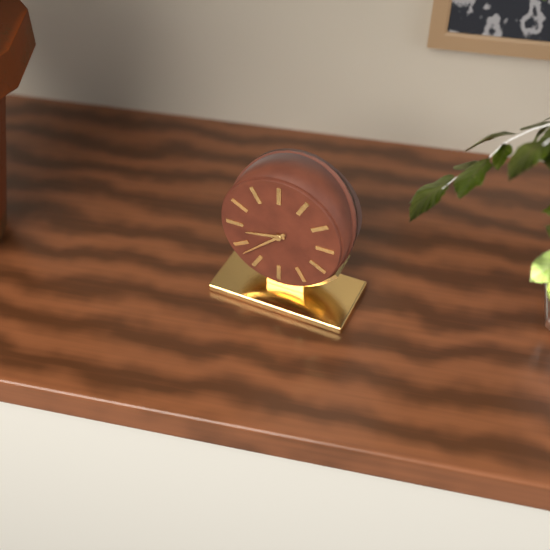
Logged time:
8:38
